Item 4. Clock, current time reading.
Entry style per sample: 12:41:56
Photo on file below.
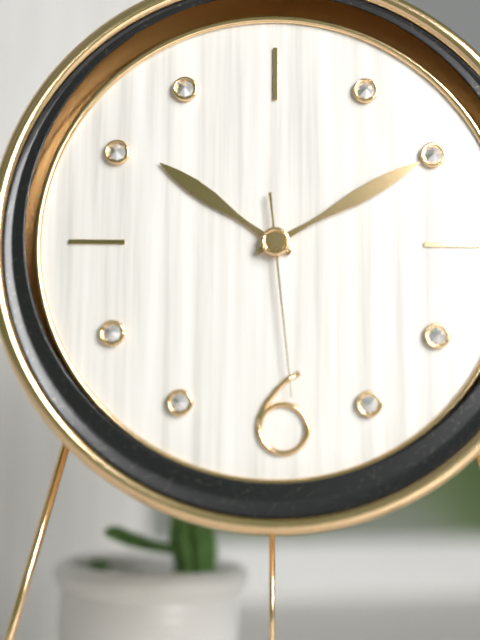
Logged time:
10:10:29
